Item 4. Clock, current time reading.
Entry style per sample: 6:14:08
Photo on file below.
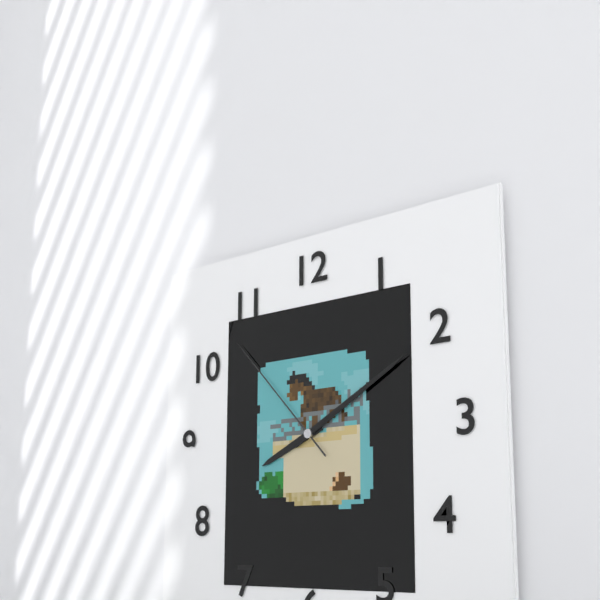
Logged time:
8:10:53
